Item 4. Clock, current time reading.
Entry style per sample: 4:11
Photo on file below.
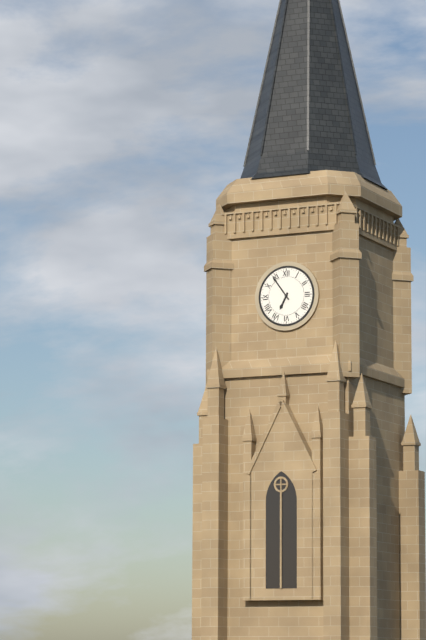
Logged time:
6:54
